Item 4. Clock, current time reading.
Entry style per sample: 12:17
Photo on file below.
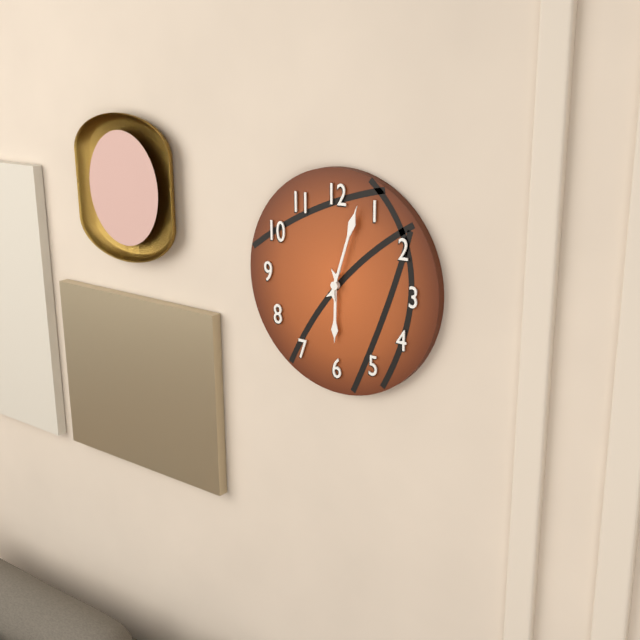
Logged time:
6:03
